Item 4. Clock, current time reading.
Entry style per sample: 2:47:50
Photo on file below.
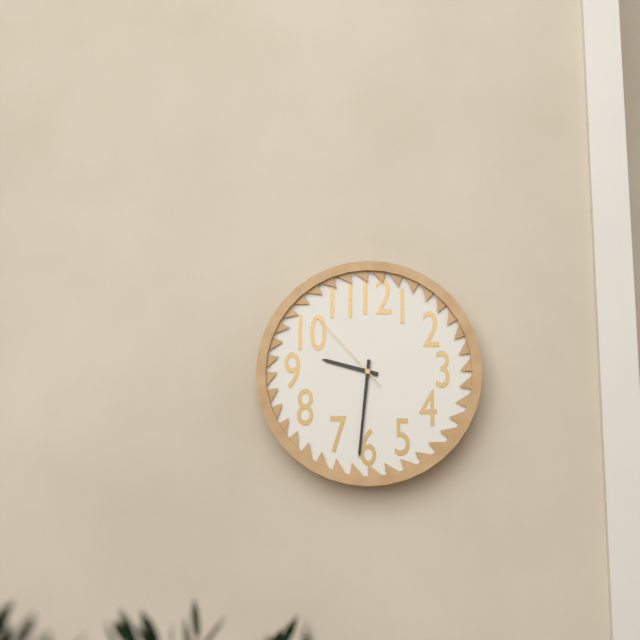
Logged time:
9:31:53
